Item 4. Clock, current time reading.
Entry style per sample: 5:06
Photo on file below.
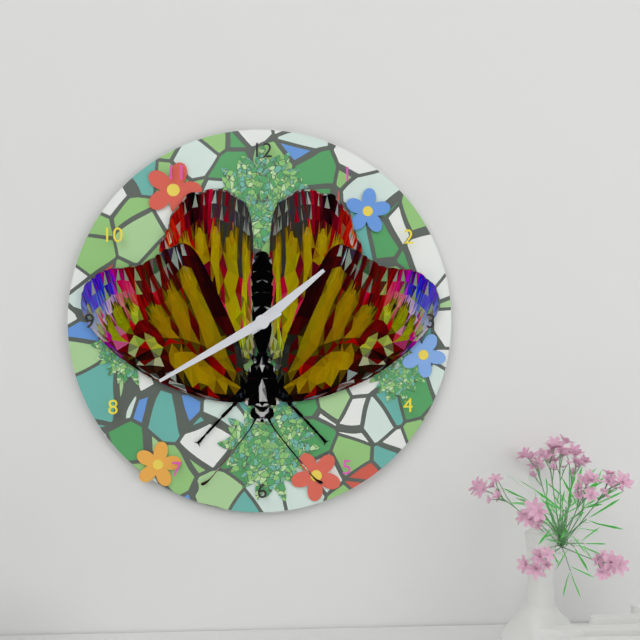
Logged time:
1:40
